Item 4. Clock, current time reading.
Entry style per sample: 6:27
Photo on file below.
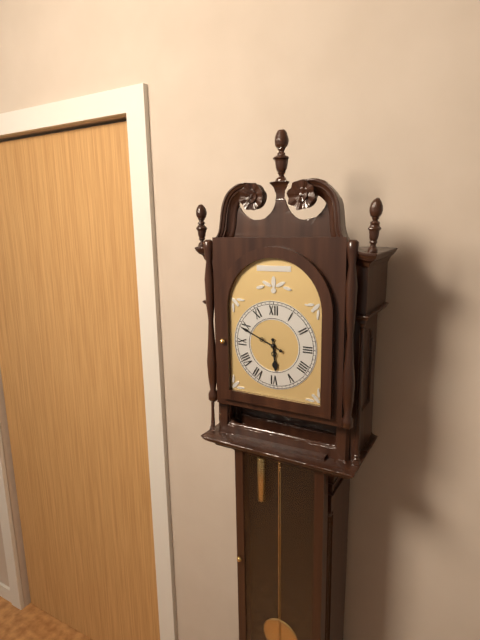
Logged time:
5:49
